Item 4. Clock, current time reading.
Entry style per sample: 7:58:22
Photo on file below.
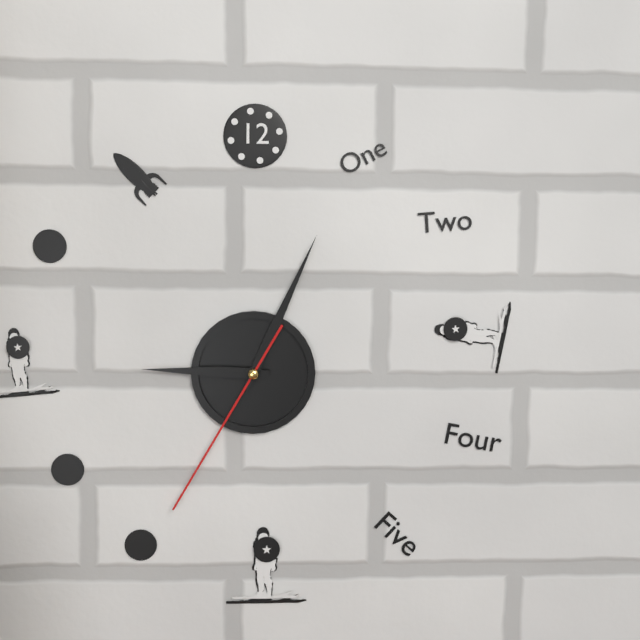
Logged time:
9:04:35
